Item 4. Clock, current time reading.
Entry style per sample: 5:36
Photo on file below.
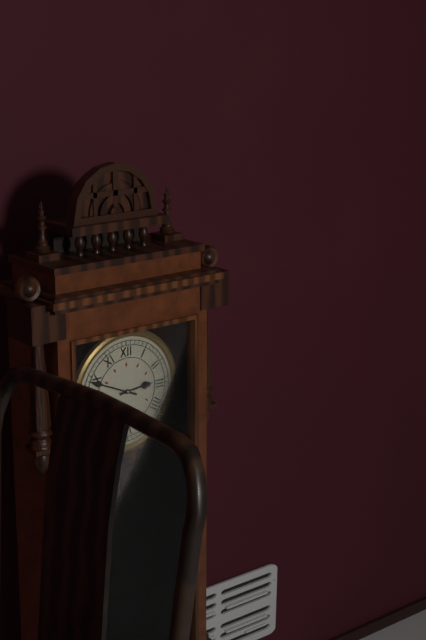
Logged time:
2:49
